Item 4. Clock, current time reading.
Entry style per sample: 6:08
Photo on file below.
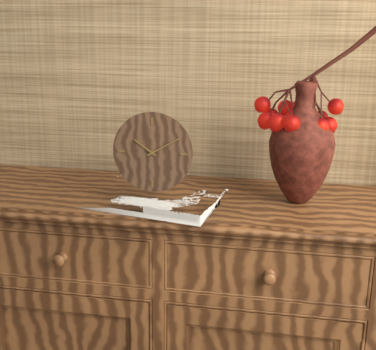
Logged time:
10:10
